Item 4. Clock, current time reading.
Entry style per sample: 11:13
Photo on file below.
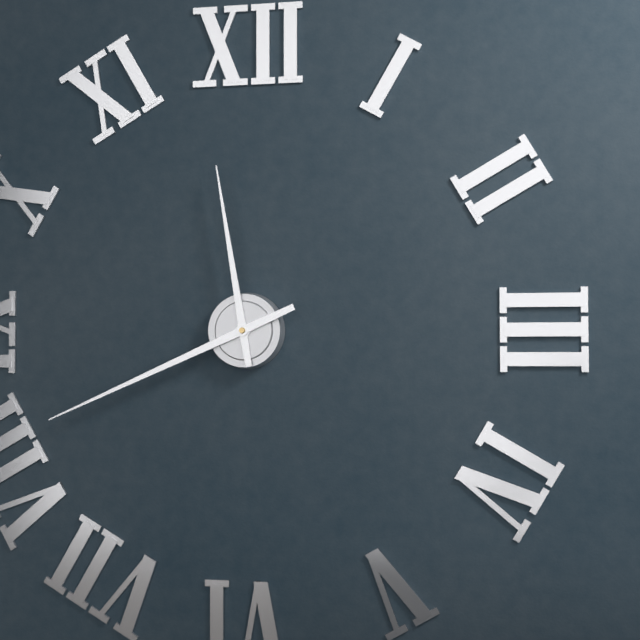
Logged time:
11:41
